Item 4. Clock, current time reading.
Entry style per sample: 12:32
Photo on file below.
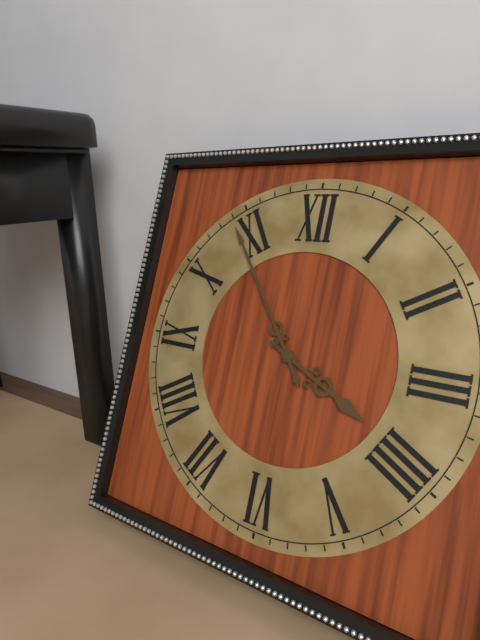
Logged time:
3:54
